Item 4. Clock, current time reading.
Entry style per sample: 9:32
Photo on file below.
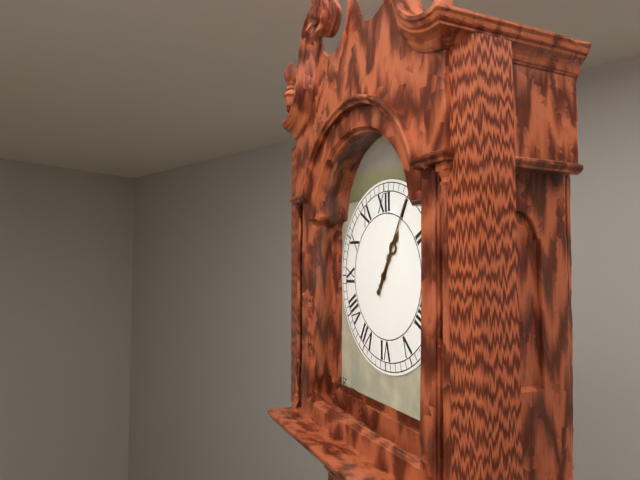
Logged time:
1:05
